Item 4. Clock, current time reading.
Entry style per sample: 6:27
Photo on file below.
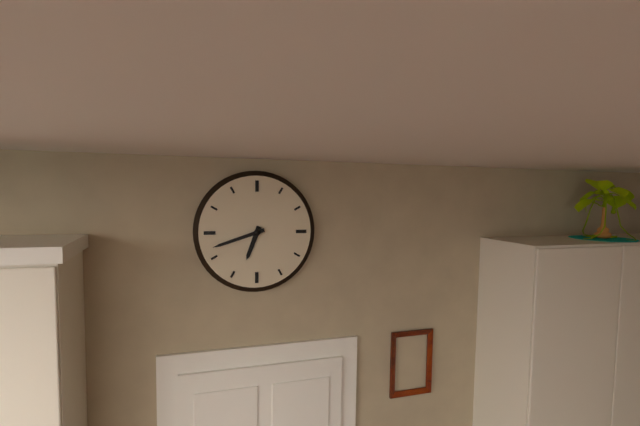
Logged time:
6:42
